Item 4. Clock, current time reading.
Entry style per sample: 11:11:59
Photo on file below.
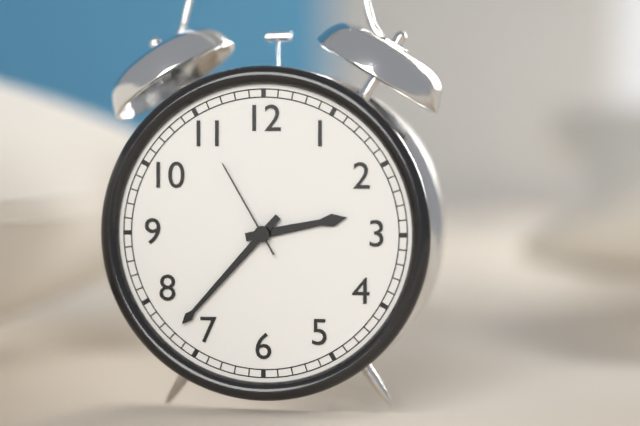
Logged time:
2:37:55
